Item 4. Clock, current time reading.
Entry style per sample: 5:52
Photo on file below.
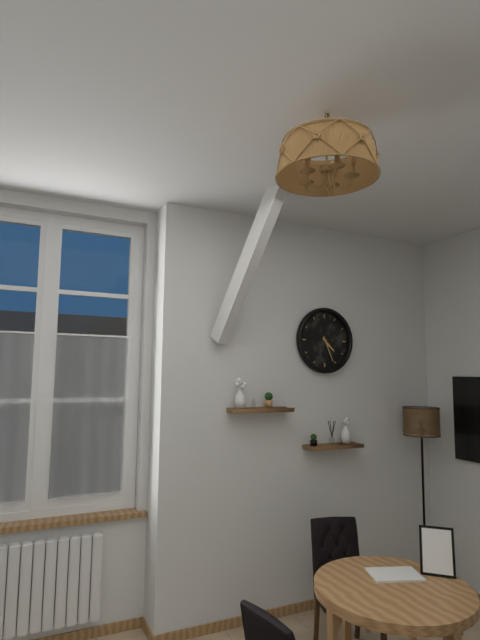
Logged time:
4:26
